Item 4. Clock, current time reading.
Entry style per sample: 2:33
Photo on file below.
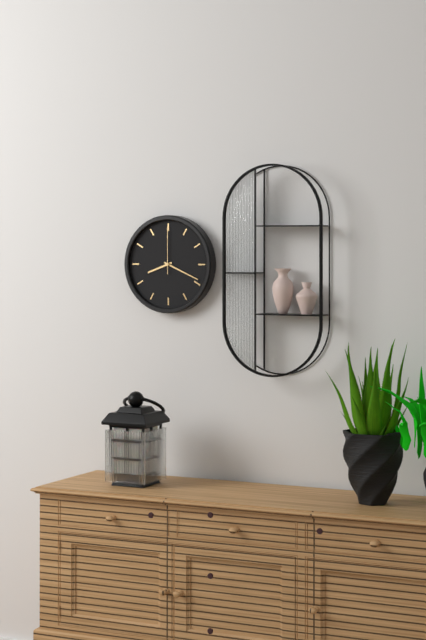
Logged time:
8:19
